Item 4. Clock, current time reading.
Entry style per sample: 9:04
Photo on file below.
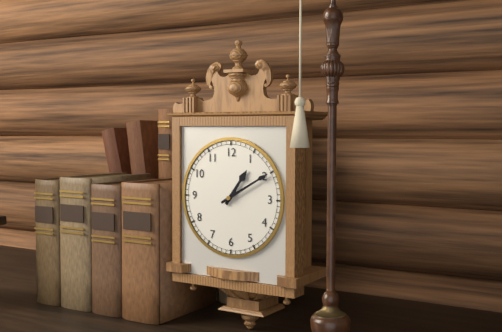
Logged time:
1:10
